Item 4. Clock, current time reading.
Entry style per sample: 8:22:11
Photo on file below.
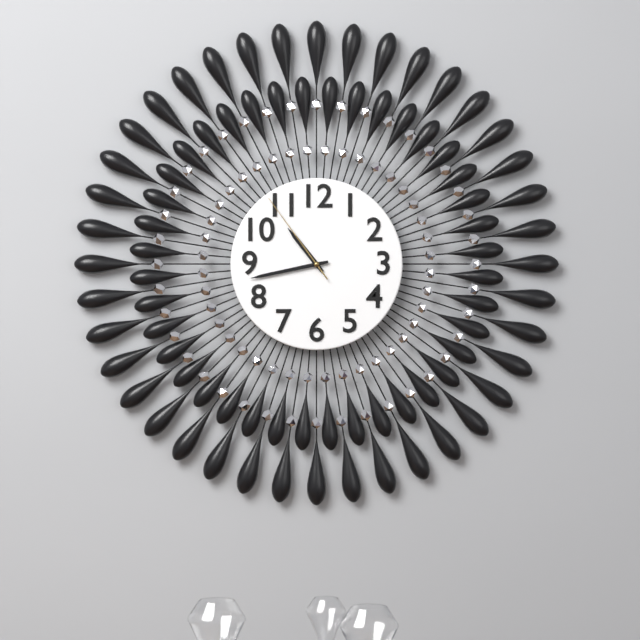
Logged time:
10:43:54
